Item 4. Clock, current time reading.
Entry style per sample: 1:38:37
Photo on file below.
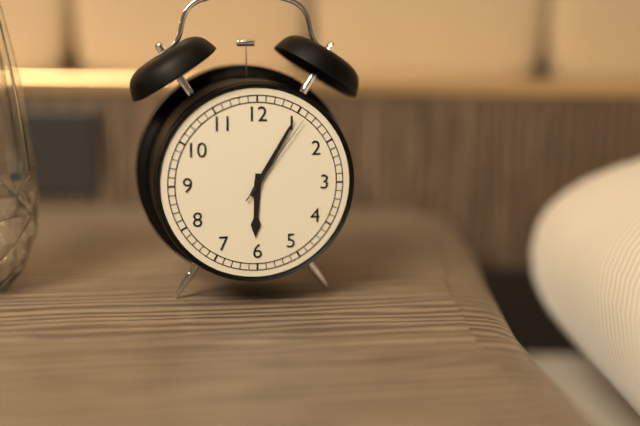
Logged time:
6:05:06
